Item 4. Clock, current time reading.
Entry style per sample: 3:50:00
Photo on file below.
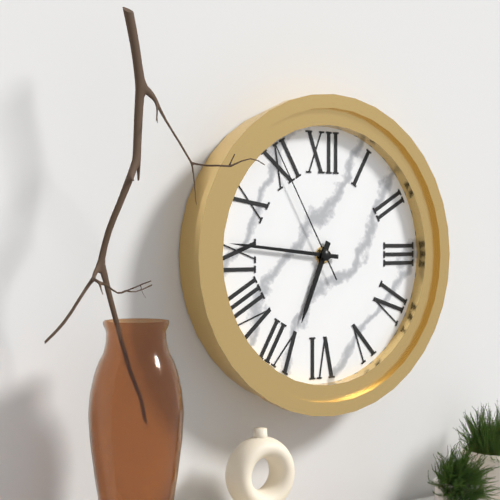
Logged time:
6:46:55
